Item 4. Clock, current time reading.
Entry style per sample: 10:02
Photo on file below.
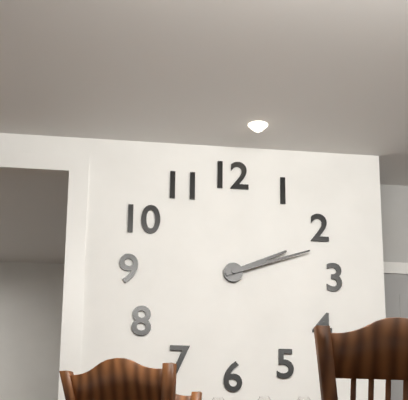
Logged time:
2:12
